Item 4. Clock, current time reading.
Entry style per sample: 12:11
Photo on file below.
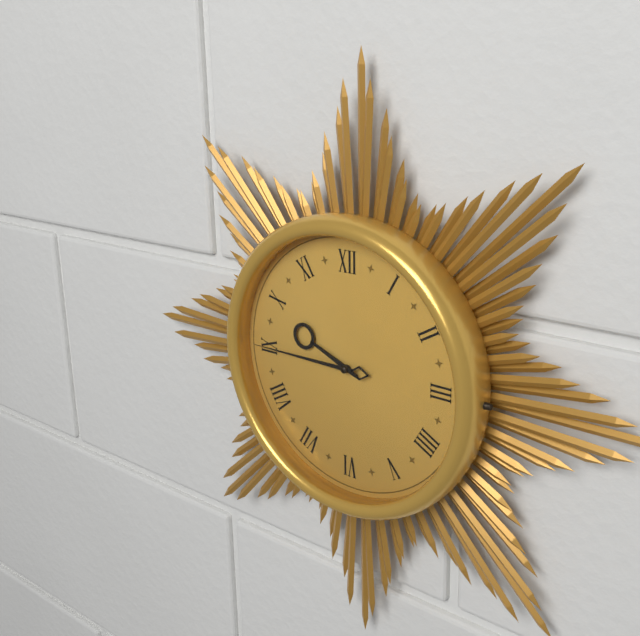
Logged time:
9:45
